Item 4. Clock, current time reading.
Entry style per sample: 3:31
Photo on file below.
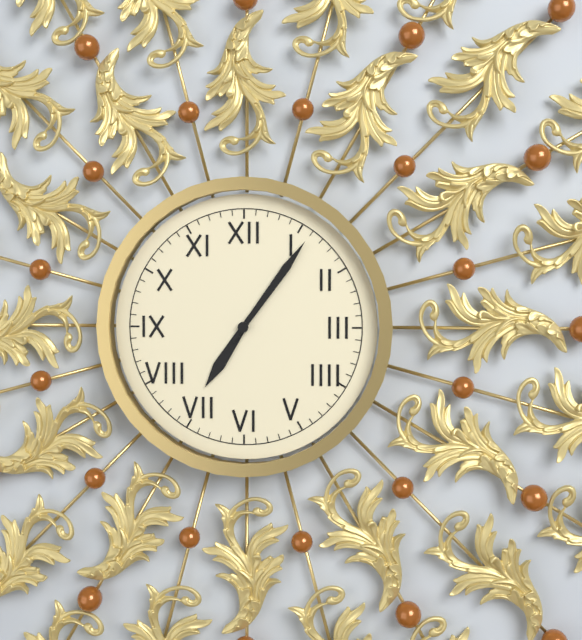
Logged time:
7:06
